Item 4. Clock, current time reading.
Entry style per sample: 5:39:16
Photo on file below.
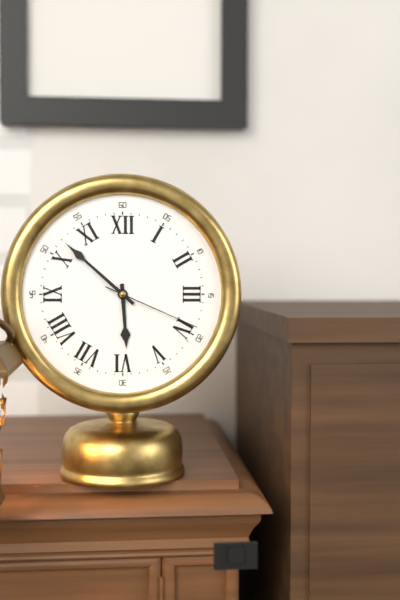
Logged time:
5:52:19
